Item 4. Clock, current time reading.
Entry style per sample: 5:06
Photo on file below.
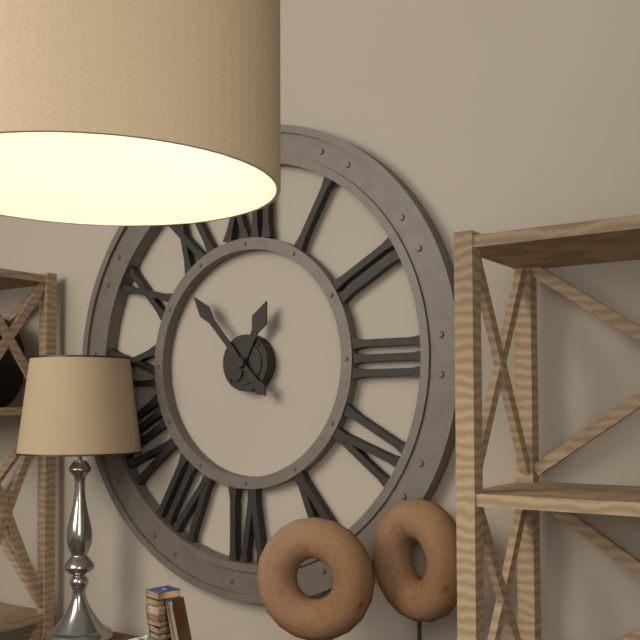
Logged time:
12:53
